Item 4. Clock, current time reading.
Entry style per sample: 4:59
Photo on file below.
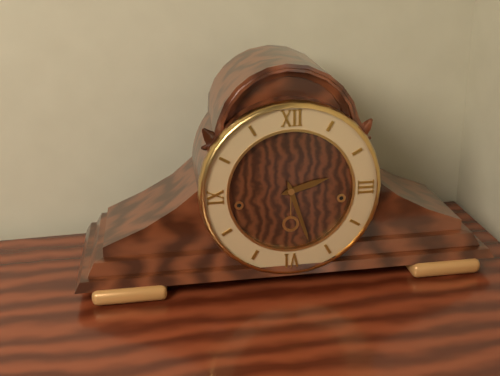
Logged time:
2:27
